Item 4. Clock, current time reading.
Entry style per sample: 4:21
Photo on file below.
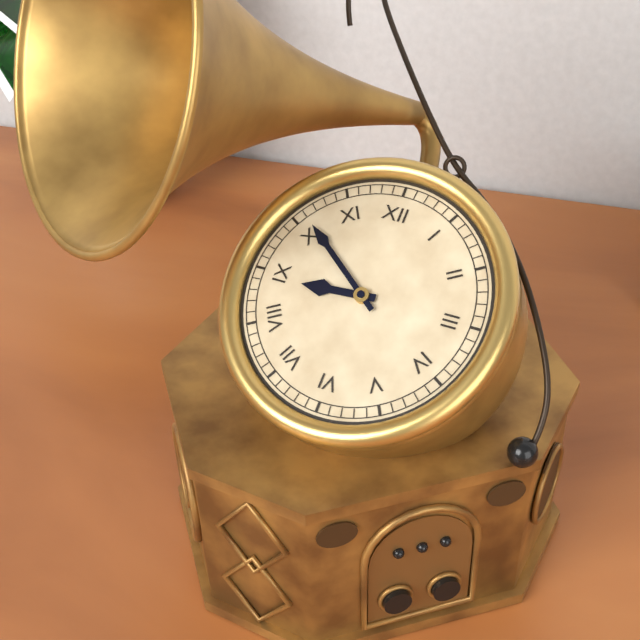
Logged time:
8:51
